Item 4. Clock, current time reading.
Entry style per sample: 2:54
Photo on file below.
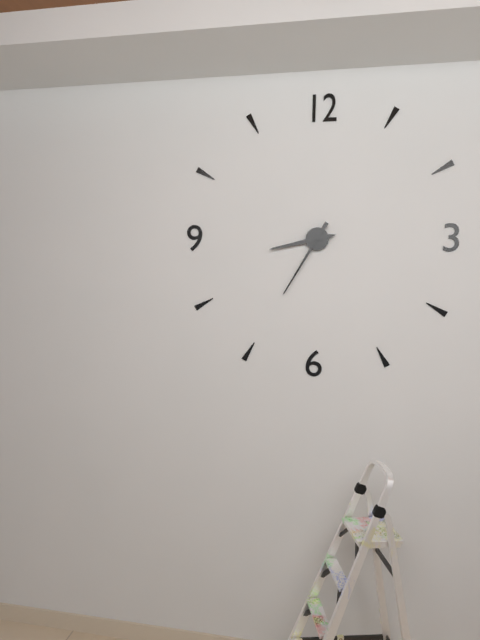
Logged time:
8:35
